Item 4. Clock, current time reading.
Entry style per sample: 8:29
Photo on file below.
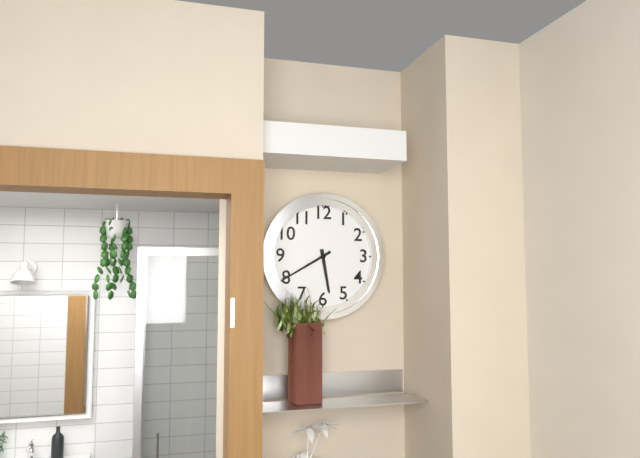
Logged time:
5:40
